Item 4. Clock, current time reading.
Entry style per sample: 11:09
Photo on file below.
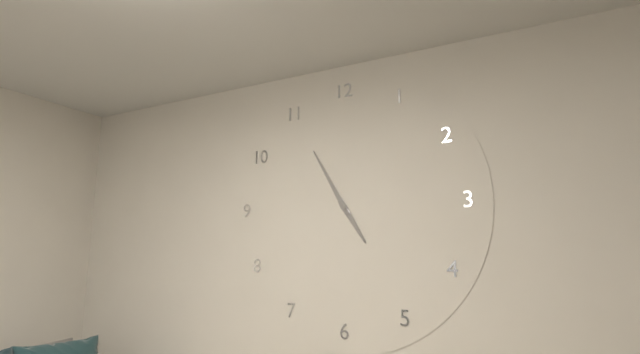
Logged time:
4:55
